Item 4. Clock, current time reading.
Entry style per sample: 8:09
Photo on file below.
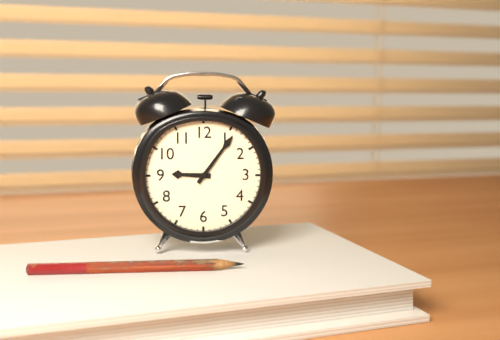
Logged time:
9:06
